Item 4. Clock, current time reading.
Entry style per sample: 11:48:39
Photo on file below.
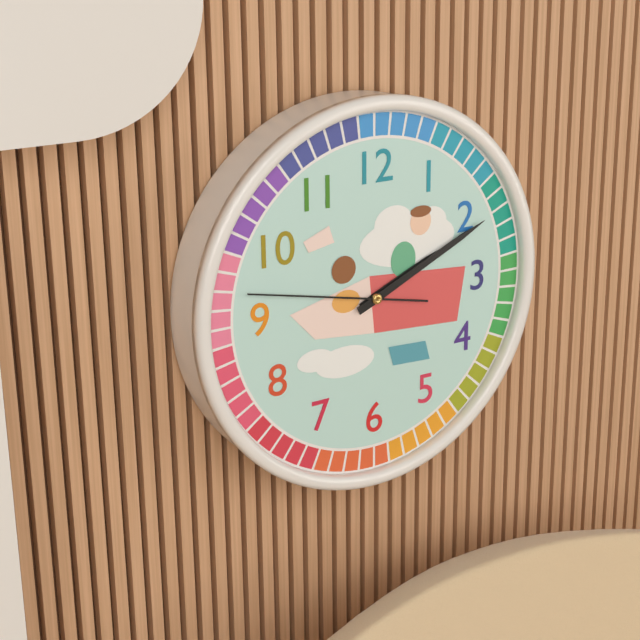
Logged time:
2:11:47
